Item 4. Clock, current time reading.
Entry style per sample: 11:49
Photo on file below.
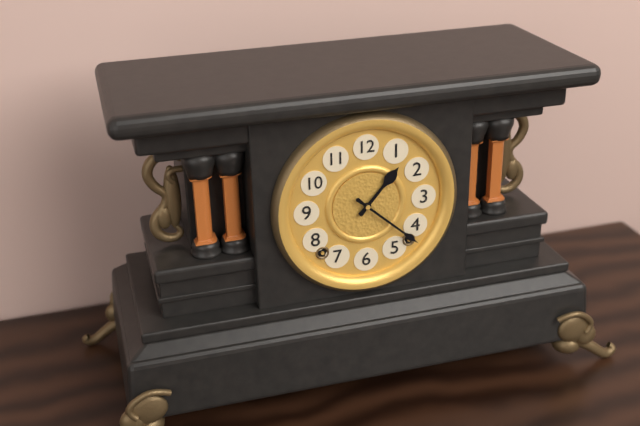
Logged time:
1:22
